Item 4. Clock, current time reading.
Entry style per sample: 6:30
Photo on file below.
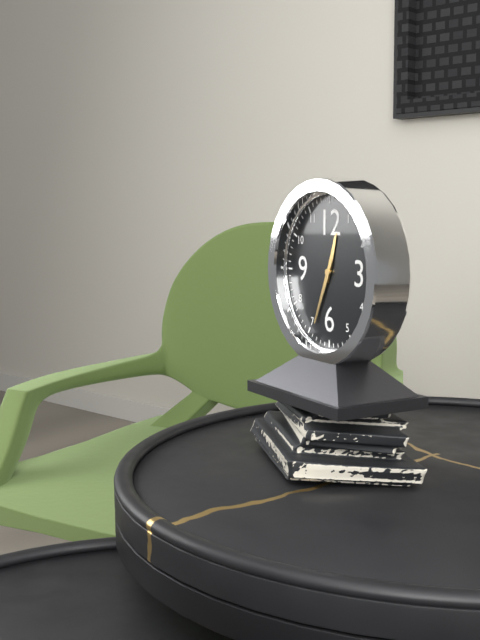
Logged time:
12:34
